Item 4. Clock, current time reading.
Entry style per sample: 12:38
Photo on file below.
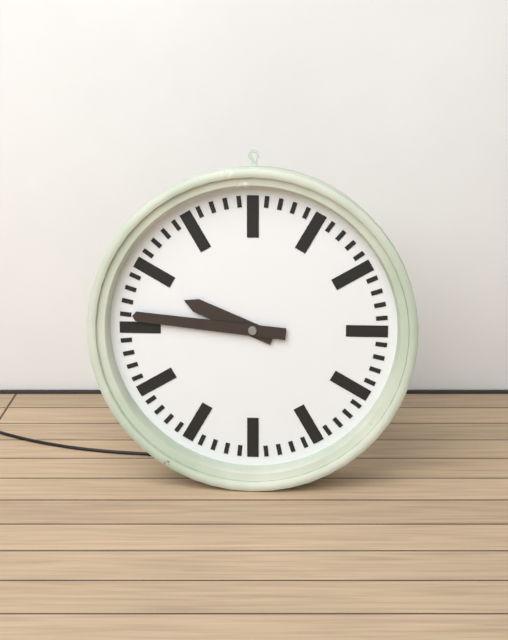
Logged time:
9:46
